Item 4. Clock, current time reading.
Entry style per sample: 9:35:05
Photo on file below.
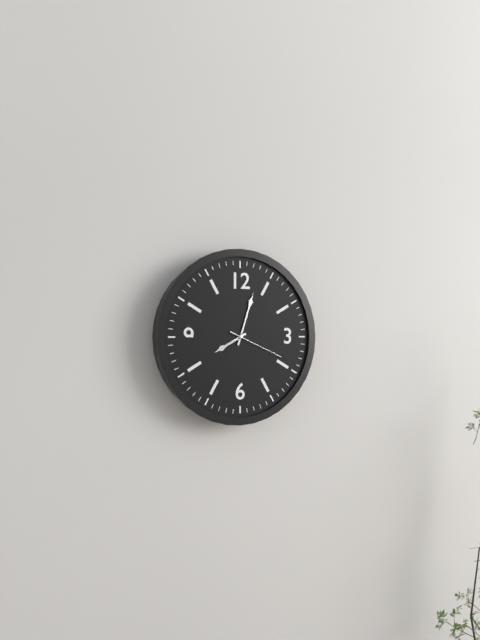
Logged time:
8:03:19
